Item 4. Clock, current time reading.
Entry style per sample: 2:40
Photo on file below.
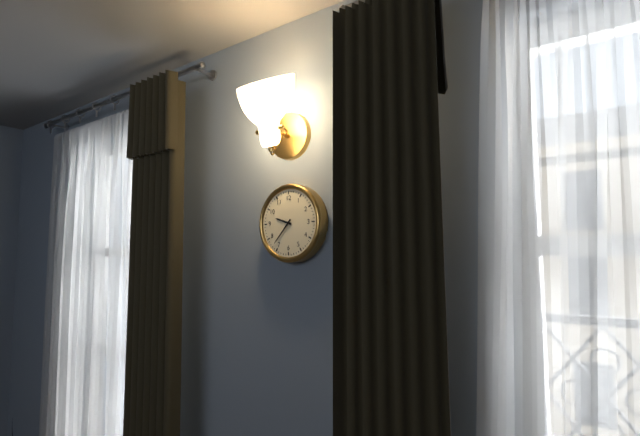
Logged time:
9:37
